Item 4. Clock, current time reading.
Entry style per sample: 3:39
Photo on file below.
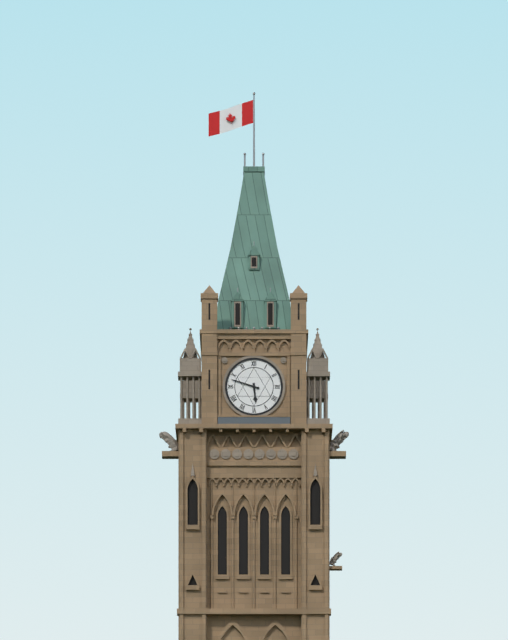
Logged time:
5:48
